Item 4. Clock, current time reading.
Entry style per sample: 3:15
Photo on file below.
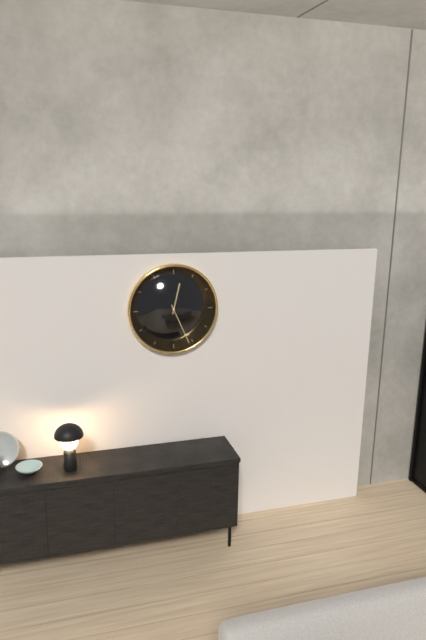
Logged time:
12:26
